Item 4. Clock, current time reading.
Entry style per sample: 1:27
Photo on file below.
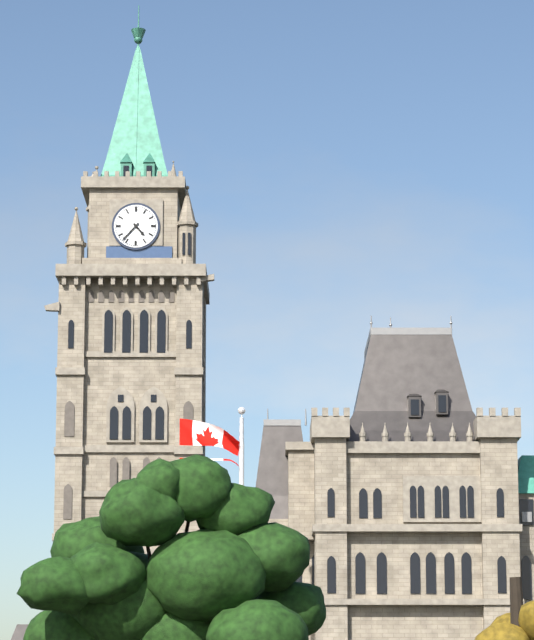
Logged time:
4:37
